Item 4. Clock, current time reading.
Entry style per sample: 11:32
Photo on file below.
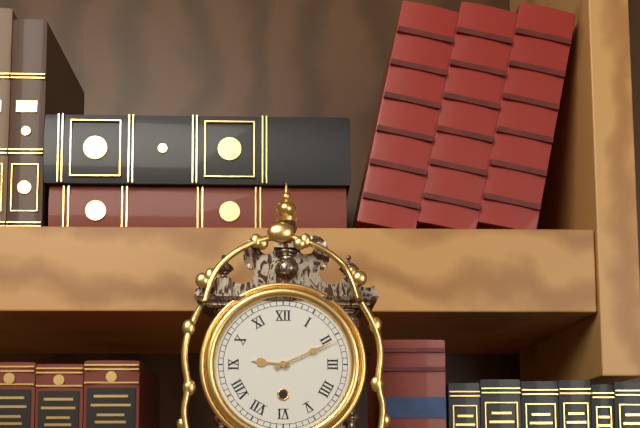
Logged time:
9:11
